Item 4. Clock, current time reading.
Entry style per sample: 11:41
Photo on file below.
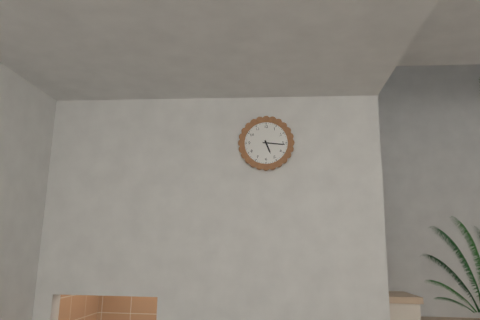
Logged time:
5:16
